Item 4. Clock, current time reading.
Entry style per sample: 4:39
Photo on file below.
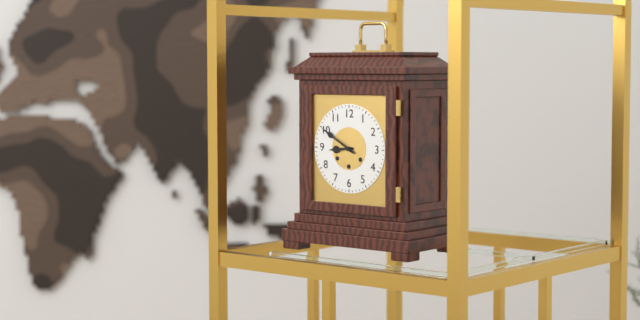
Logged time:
8:50
